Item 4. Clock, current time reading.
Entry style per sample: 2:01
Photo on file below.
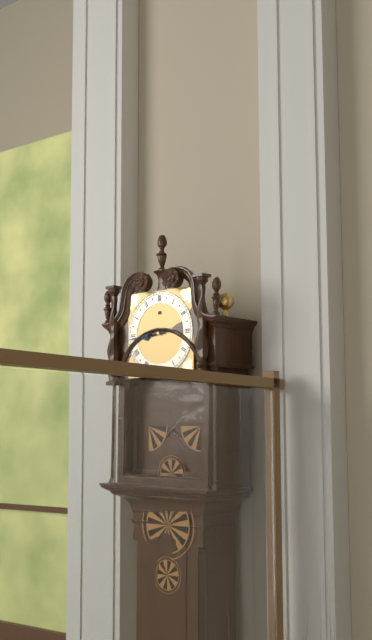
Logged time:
8:44
